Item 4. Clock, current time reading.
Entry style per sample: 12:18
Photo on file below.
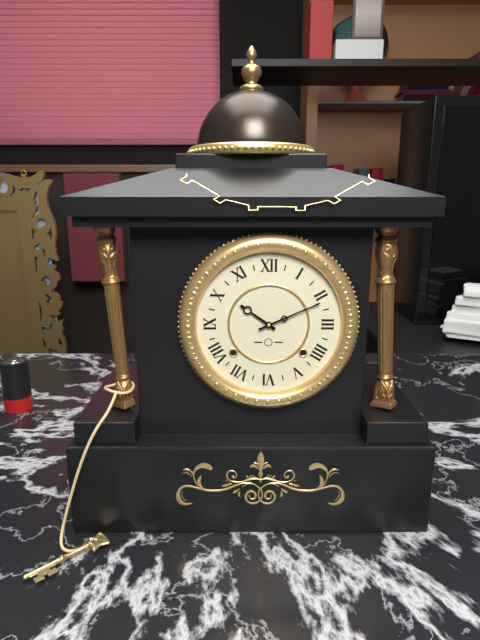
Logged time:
10:11
